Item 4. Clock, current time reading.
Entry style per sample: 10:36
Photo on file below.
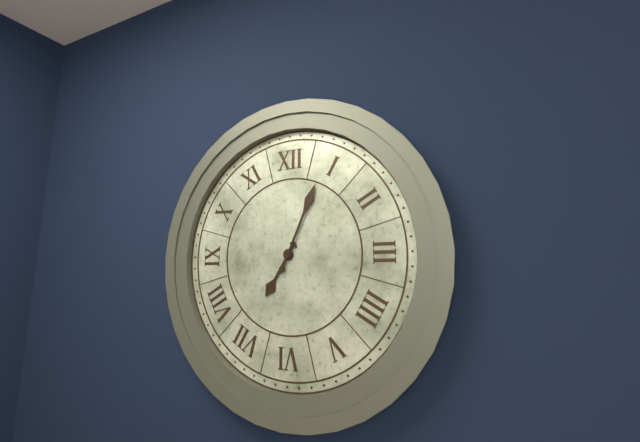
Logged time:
7:04
